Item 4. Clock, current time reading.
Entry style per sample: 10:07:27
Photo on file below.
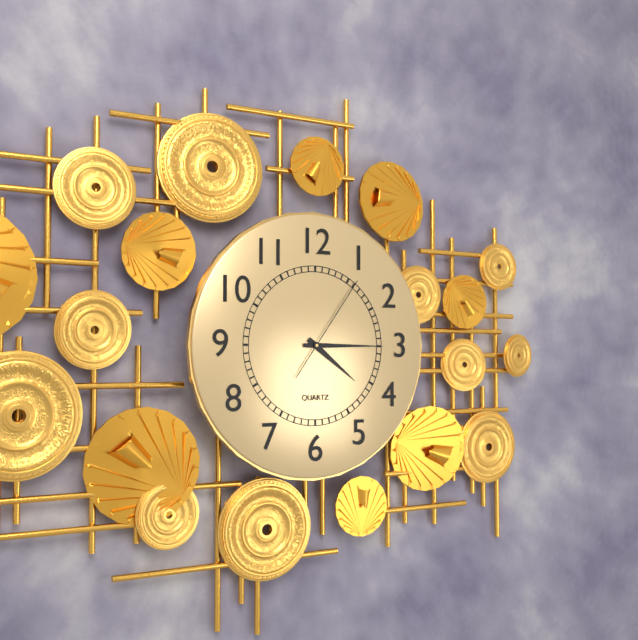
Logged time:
4:15:06
